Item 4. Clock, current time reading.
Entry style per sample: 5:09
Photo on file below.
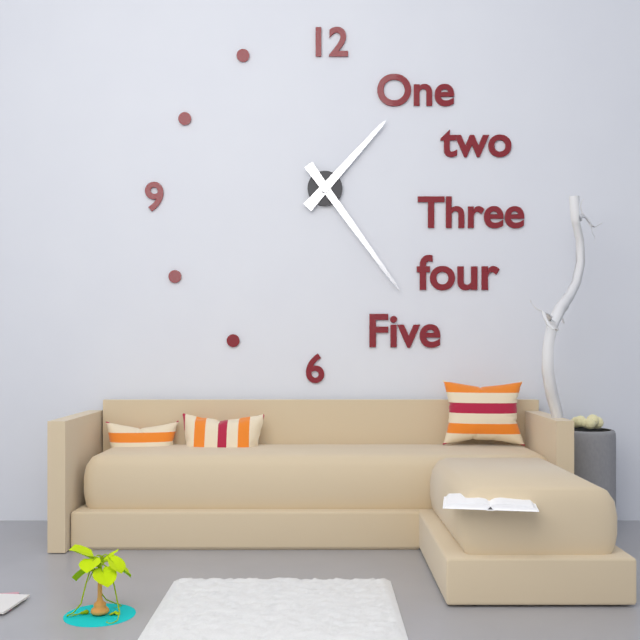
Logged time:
1:24
